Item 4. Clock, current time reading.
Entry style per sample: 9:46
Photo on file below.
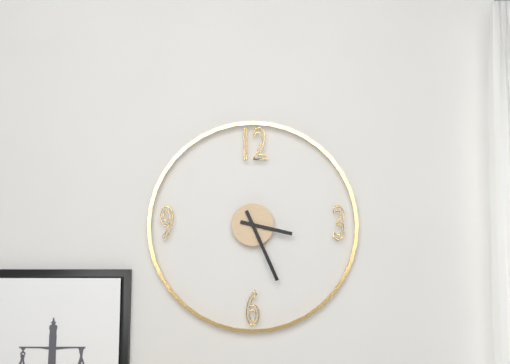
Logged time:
3:26
